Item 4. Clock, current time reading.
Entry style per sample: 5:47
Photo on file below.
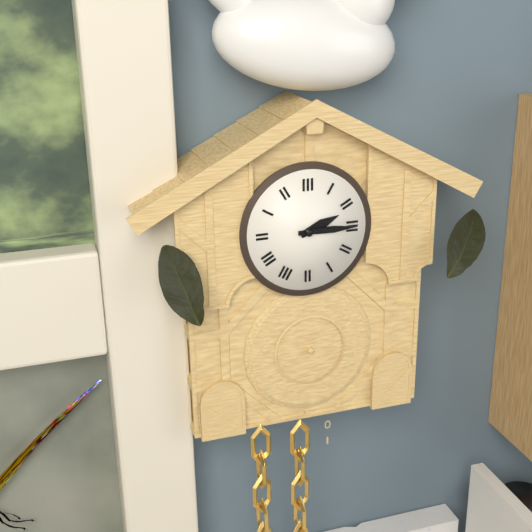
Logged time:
2:15
